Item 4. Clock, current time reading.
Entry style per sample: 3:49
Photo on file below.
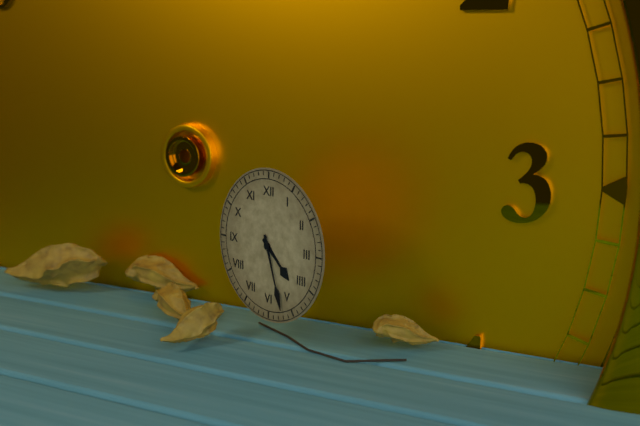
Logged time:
4:27
